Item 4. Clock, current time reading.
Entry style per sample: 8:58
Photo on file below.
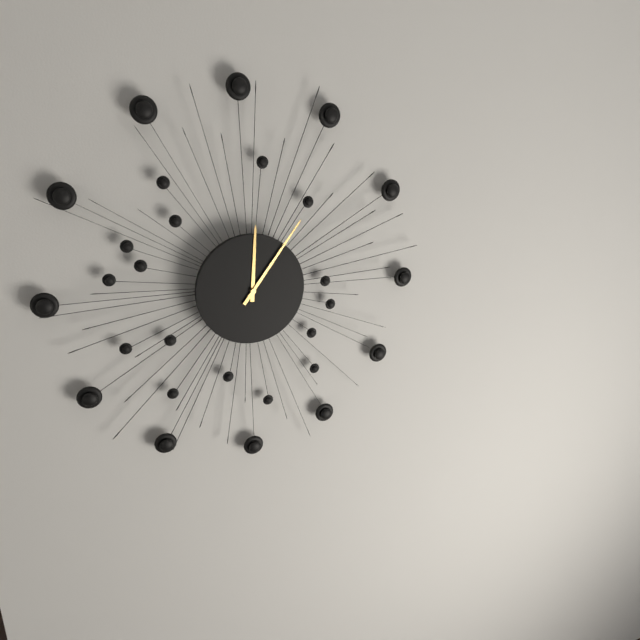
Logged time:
12:06
